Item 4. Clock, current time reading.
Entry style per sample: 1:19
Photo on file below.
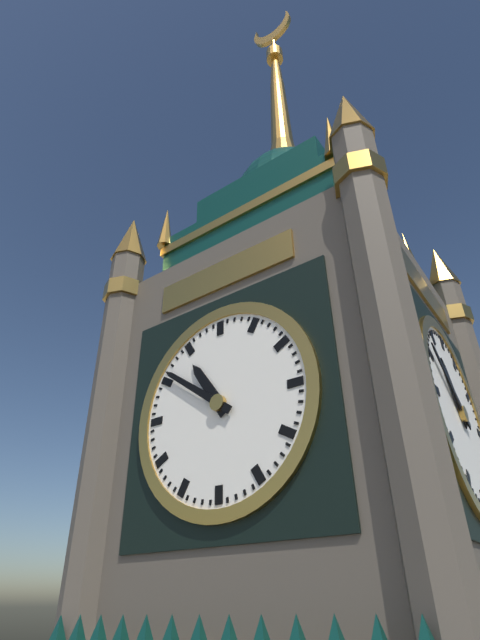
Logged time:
10:51
